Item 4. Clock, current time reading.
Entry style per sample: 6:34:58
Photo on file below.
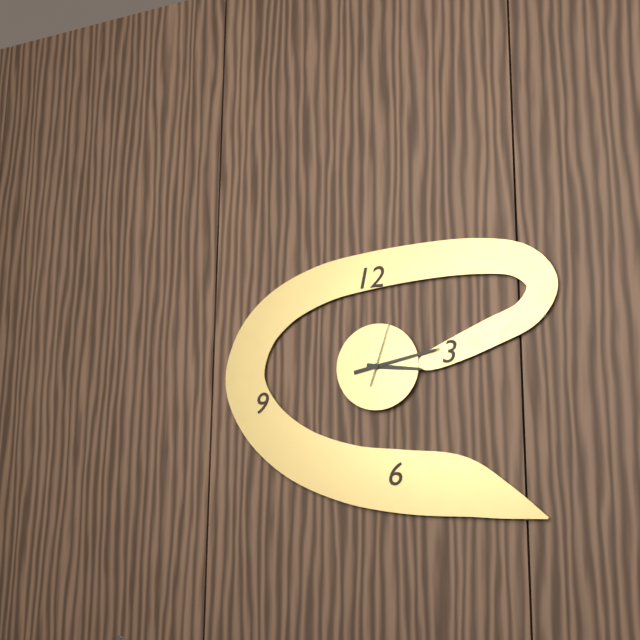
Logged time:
3:13:03
